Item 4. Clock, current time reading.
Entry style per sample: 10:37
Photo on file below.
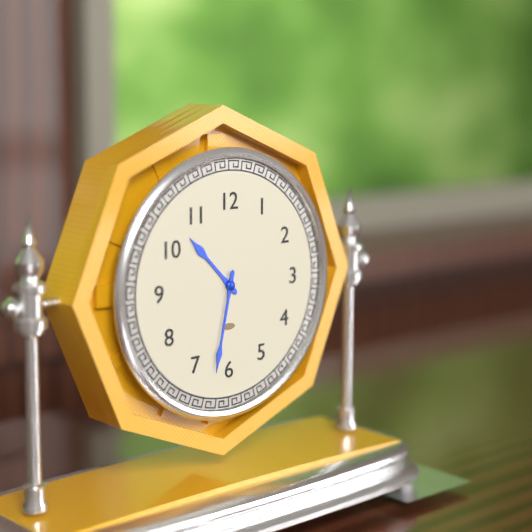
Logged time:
10:32
